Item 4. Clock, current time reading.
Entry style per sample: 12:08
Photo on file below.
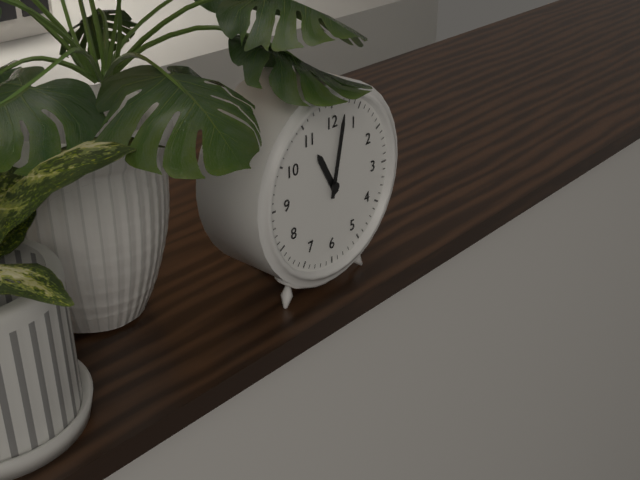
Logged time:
11:02
